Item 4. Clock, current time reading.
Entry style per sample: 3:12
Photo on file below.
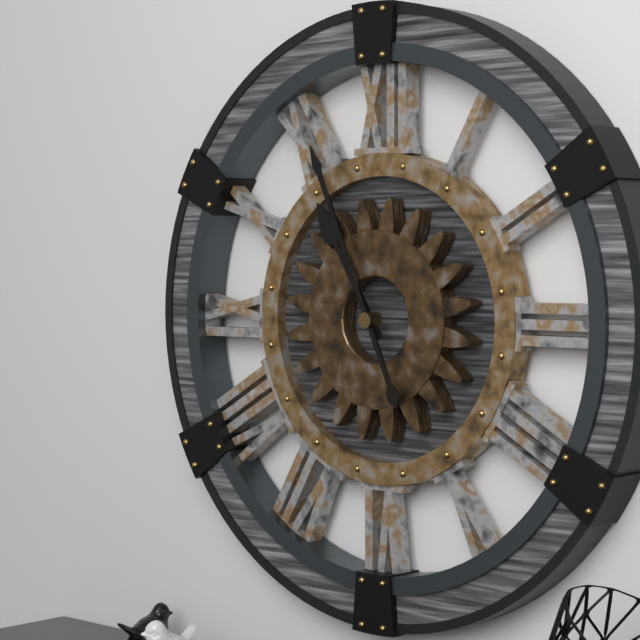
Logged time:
10:56
